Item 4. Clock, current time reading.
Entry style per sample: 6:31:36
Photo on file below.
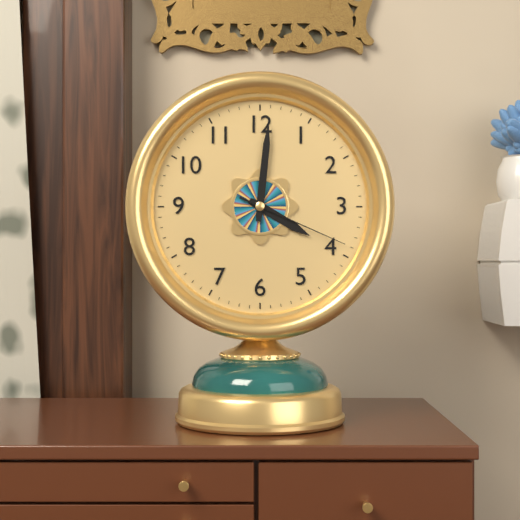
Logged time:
4:01:19
